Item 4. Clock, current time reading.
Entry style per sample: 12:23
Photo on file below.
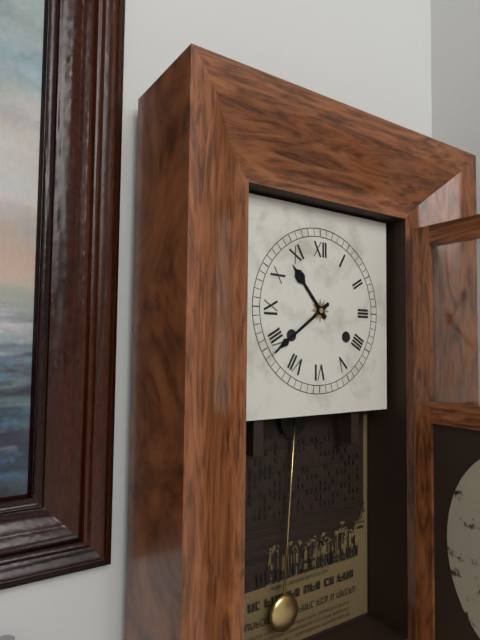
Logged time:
10:39
